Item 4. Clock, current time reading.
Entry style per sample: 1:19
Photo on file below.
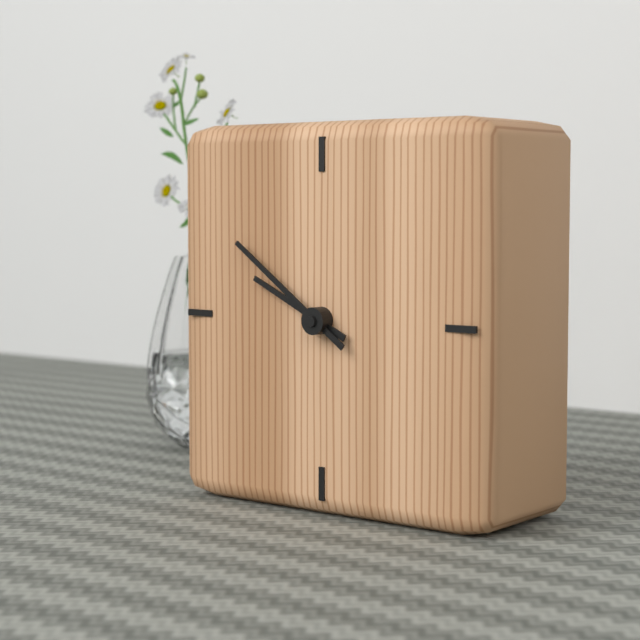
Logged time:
9:51
